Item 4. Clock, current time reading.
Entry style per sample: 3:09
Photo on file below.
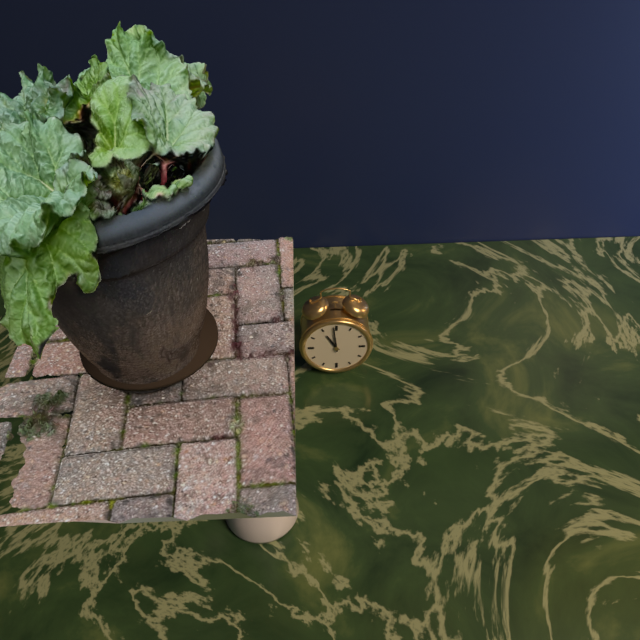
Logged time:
10:59
